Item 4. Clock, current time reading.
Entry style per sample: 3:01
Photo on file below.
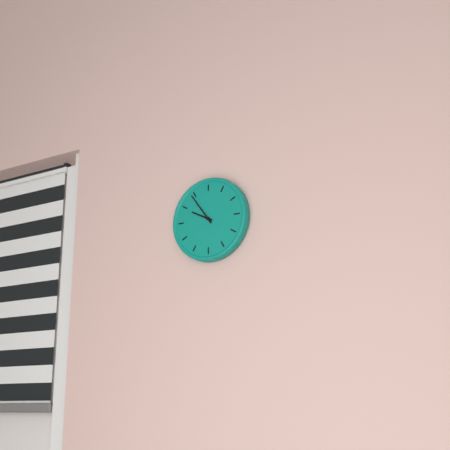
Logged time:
9:54
